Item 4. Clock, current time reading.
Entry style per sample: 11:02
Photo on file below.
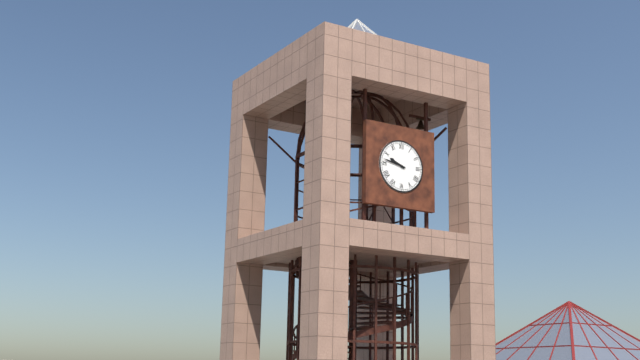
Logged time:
9:47
